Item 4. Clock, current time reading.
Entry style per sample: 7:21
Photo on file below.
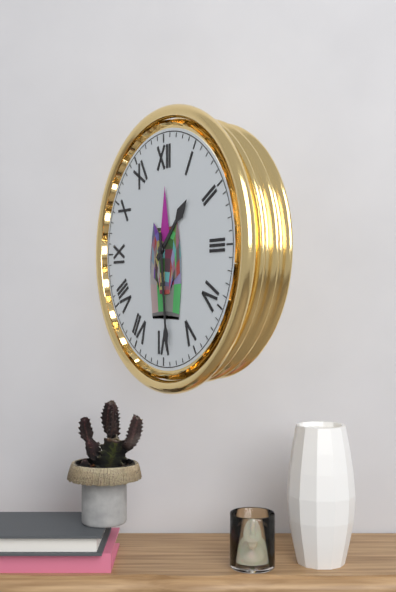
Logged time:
1:29
